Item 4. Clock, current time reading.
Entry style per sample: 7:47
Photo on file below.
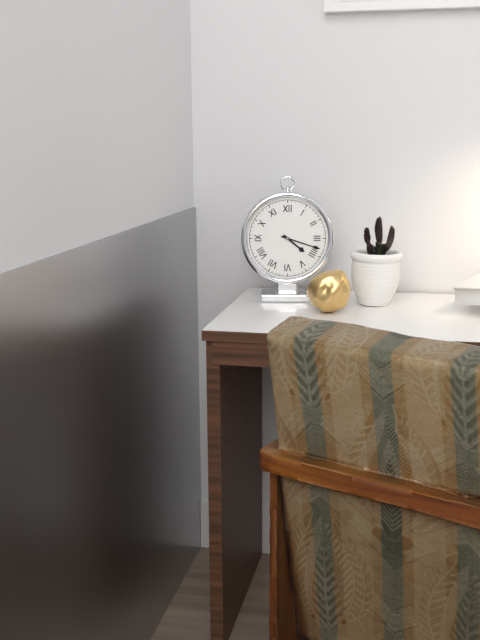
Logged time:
4:18
